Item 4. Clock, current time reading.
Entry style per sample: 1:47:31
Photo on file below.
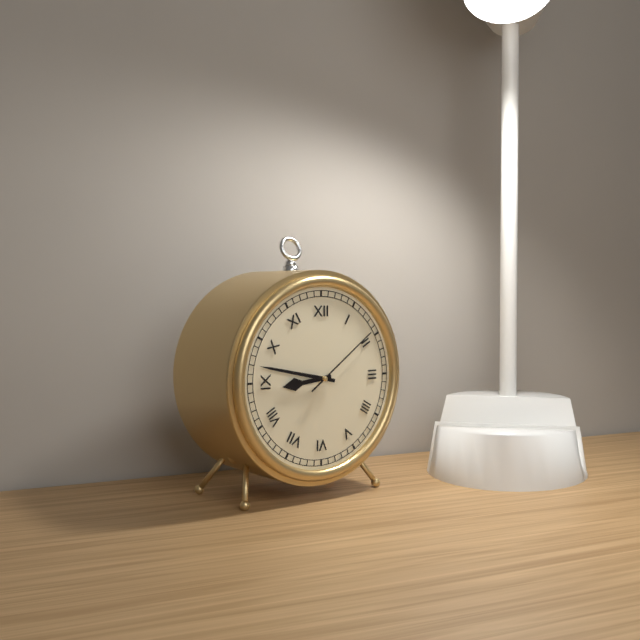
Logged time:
8:47:09
